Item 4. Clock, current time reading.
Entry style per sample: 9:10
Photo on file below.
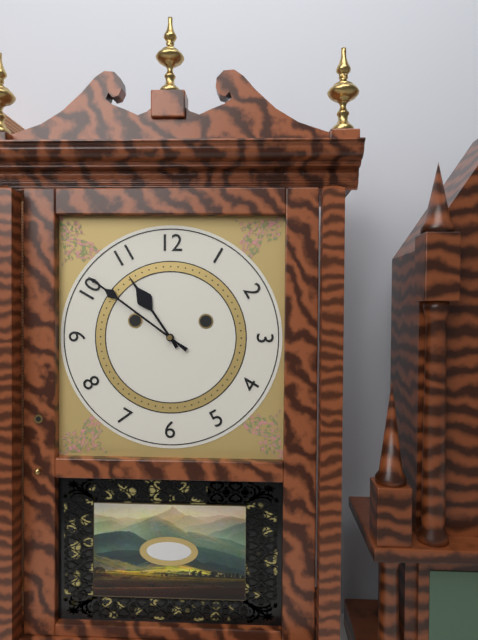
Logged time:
10:51
